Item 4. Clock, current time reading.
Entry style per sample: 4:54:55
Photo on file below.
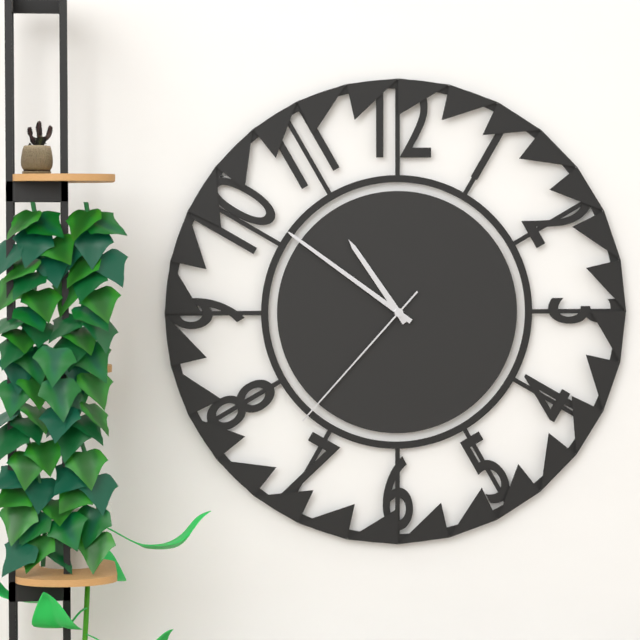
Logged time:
10:51:37
